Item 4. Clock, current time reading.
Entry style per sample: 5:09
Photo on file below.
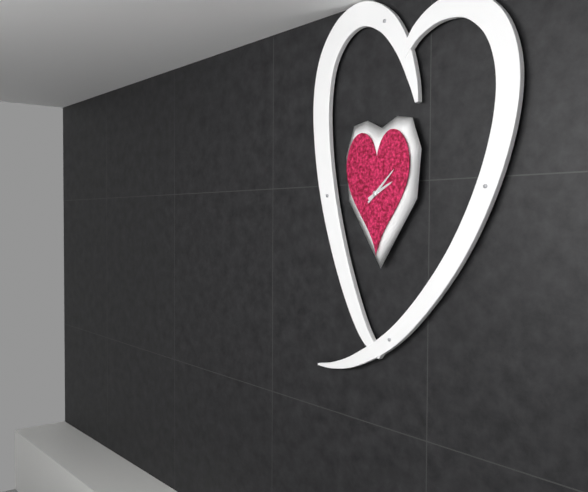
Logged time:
2:08
